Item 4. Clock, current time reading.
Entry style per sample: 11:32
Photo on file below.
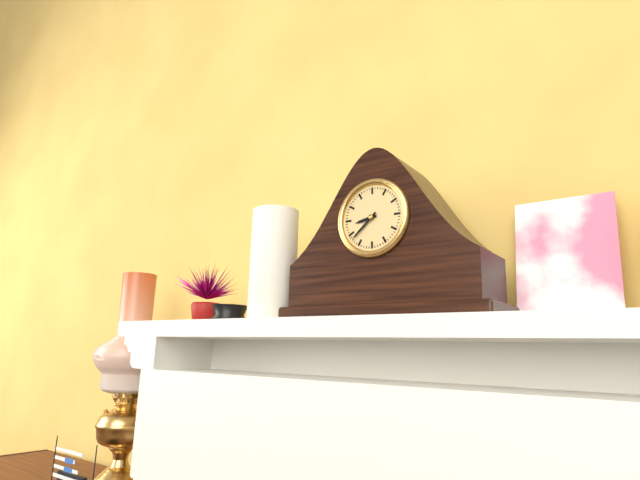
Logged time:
8:38
